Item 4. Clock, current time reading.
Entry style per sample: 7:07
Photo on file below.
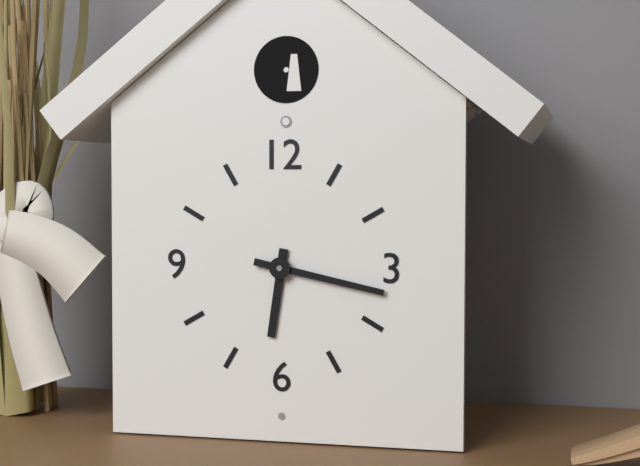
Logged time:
6:17
